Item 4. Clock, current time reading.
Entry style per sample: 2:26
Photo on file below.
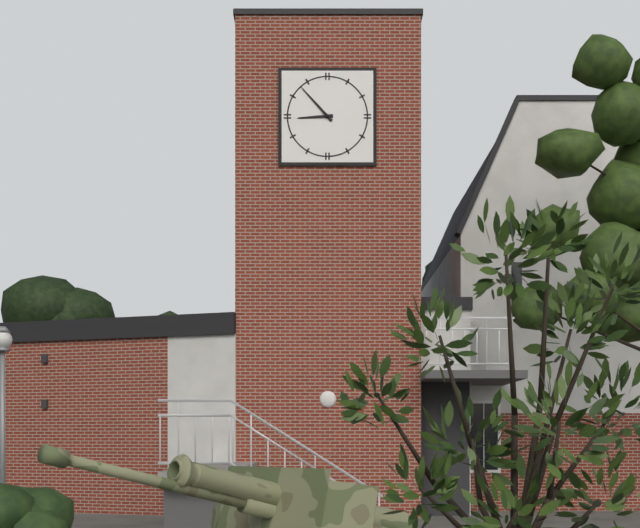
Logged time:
8:53
